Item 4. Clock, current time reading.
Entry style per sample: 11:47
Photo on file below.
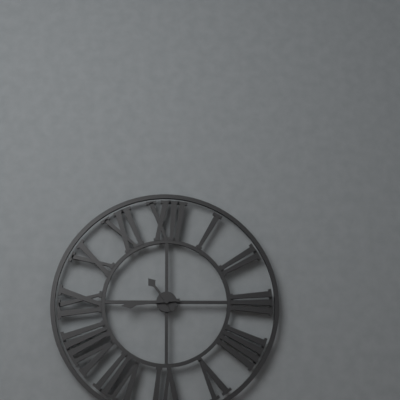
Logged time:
10:44
